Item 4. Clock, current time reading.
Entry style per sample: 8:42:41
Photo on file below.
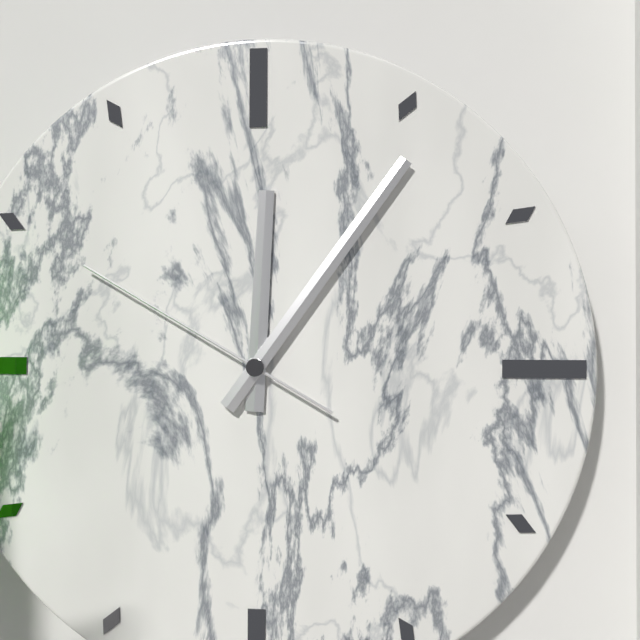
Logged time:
12:06:50
